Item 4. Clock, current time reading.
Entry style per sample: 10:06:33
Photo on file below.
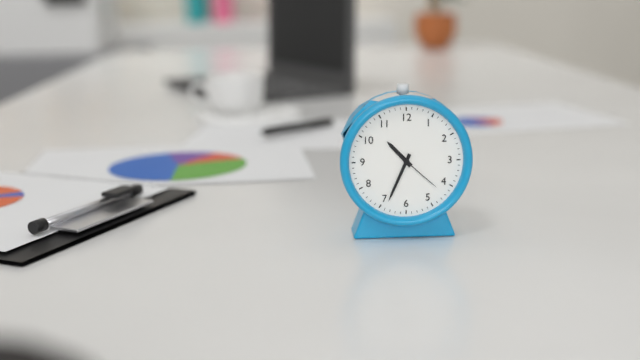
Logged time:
10:34:22
